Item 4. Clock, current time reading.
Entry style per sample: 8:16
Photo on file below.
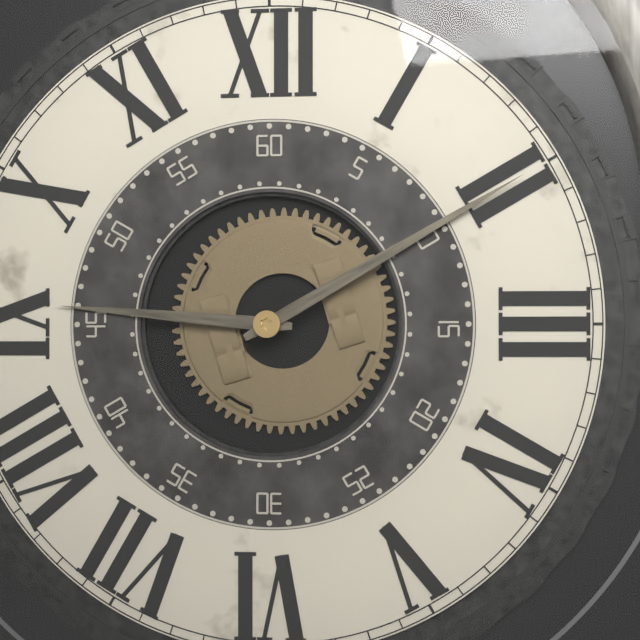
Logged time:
9:10
